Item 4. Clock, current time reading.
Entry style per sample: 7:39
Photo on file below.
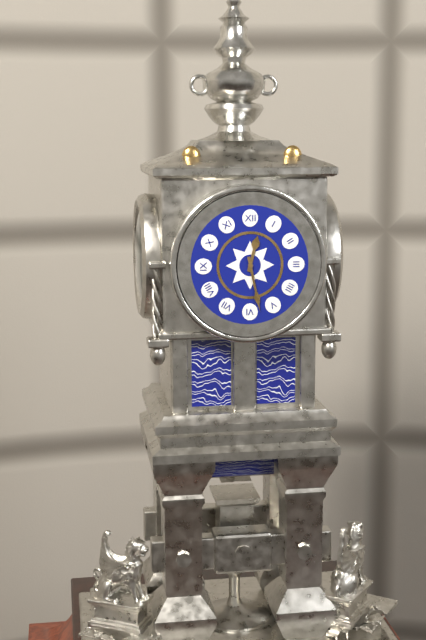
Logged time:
12:28
